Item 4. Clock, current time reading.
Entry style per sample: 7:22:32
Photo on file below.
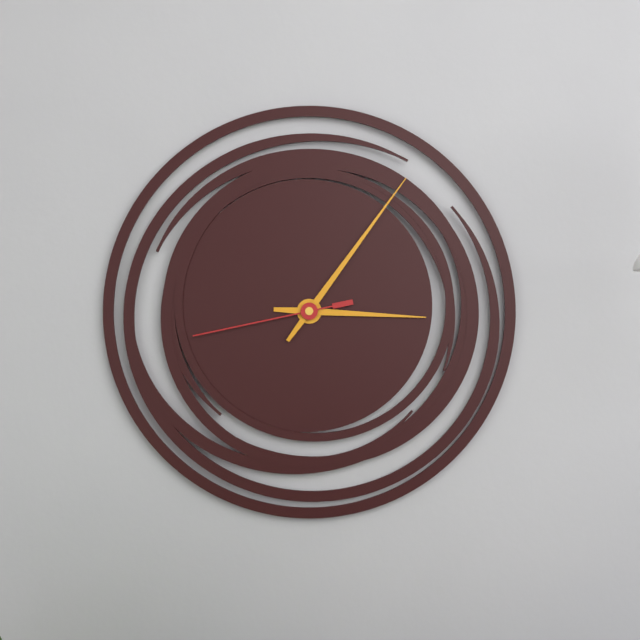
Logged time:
3:06:43
